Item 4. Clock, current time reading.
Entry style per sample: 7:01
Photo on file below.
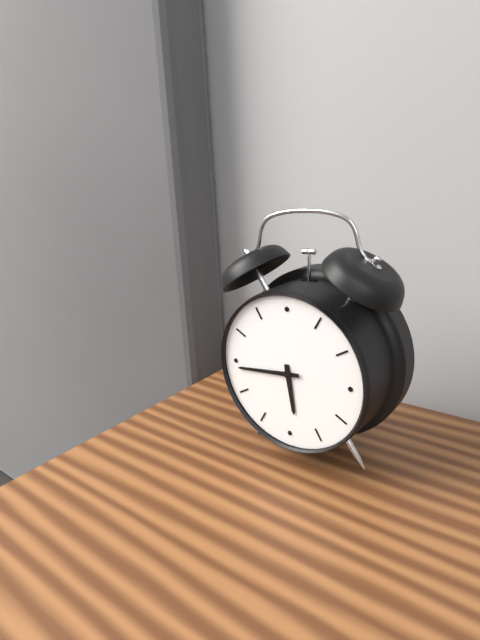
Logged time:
5:44
